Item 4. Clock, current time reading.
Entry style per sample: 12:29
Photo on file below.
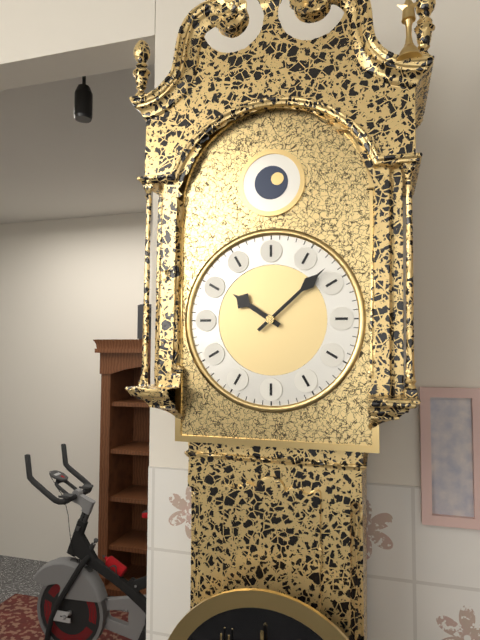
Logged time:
10:08
